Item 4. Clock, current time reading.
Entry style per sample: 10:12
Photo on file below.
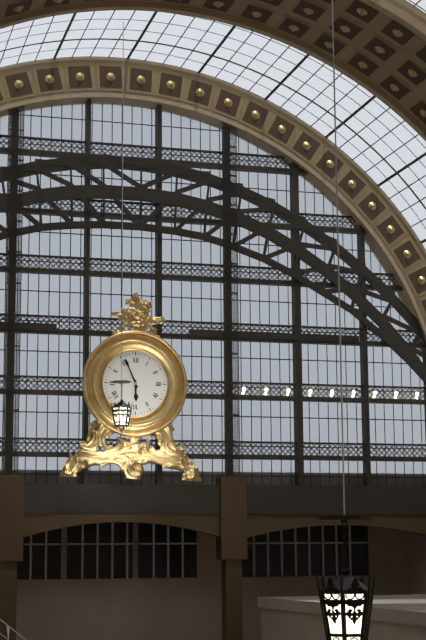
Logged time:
5:56
